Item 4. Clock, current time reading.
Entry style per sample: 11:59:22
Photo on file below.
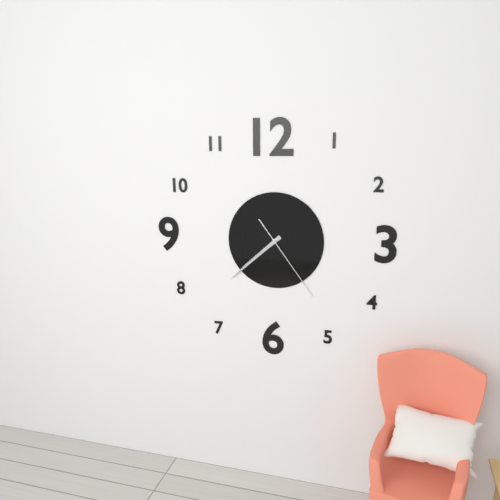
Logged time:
7:38:24
